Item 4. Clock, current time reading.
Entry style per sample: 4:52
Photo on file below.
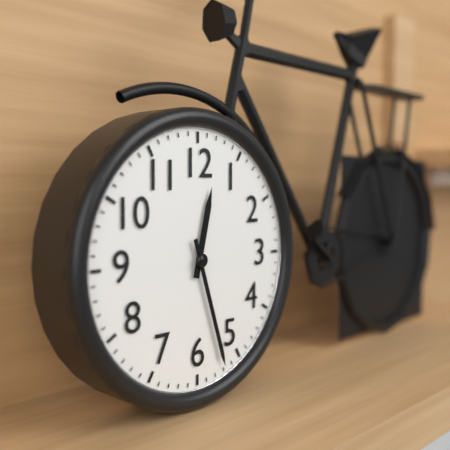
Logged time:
12:27
